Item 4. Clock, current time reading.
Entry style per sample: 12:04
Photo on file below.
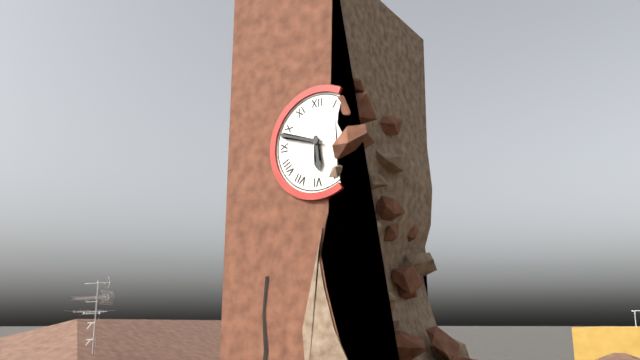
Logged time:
5:48
